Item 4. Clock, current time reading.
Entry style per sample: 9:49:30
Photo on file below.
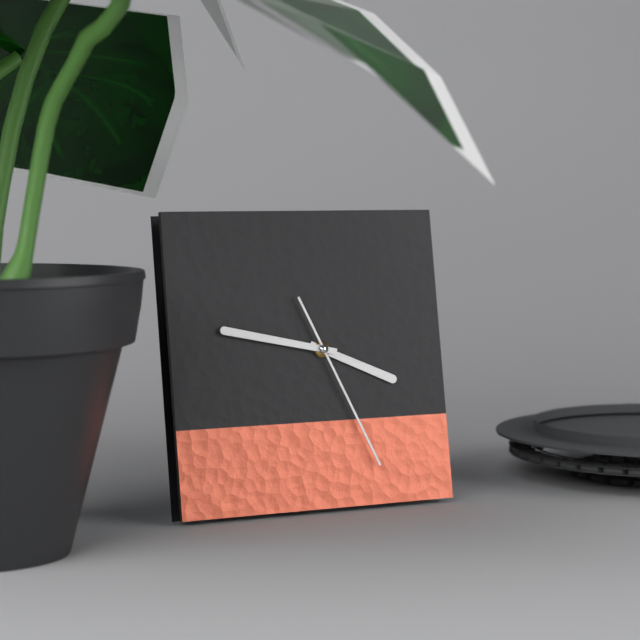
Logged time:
3:47:26
